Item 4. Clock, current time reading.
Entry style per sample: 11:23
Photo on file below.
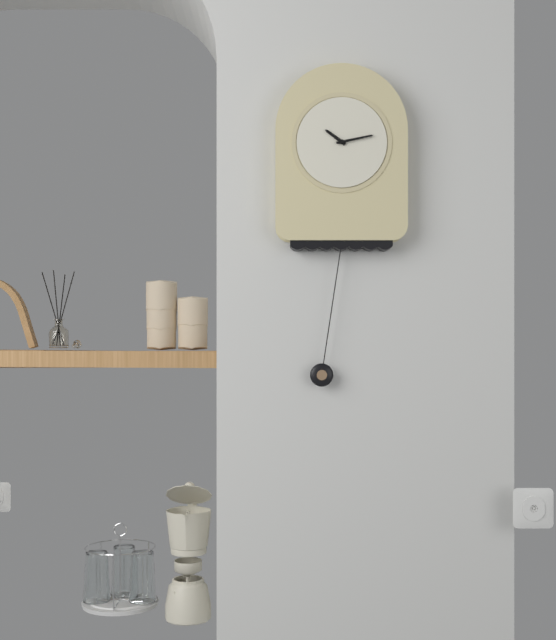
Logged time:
10:13
